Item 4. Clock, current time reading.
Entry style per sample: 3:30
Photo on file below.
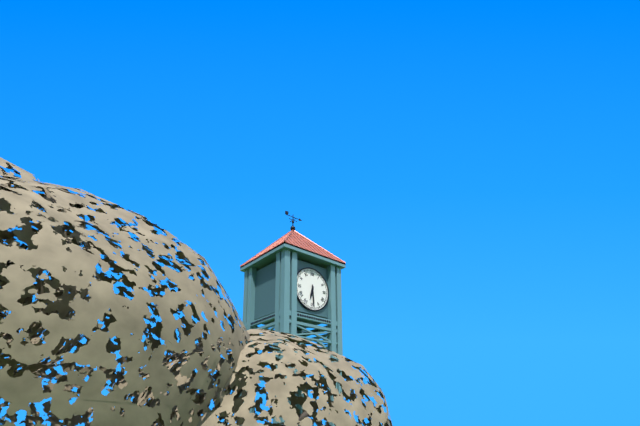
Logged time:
6:29
